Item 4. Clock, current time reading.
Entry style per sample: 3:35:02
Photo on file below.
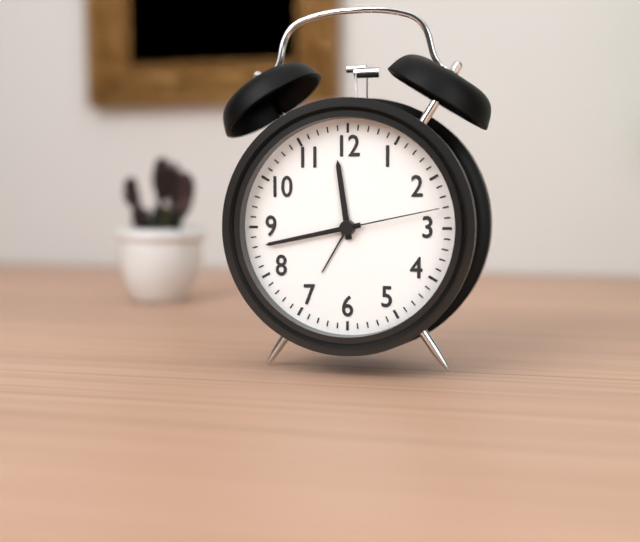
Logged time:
11:43:13
